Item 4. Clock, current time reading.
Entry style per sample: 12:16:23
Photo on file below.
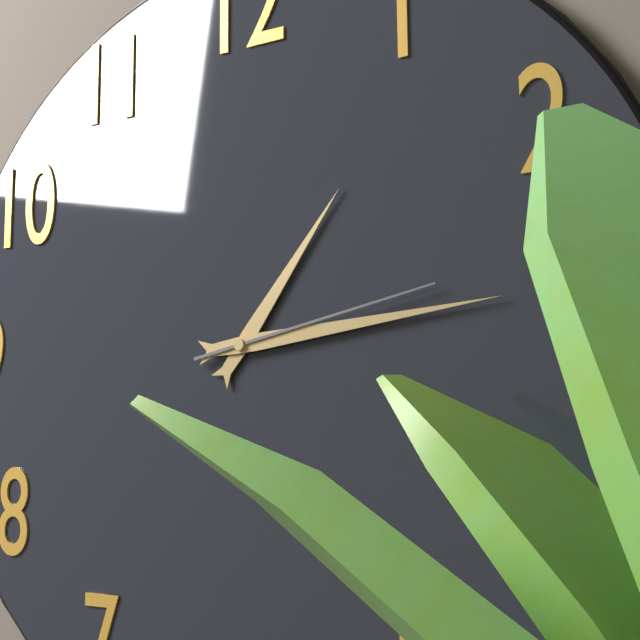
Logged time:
1:14:13
